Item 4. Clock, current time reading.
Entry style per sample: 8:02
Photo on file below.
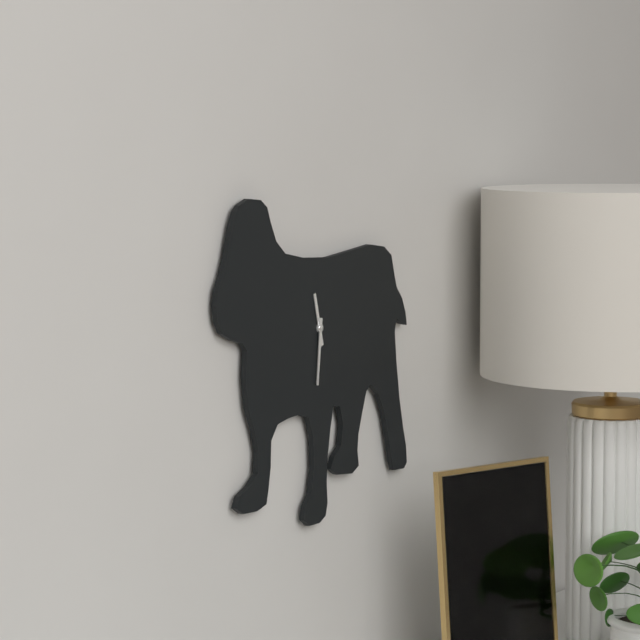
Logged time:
11:31
